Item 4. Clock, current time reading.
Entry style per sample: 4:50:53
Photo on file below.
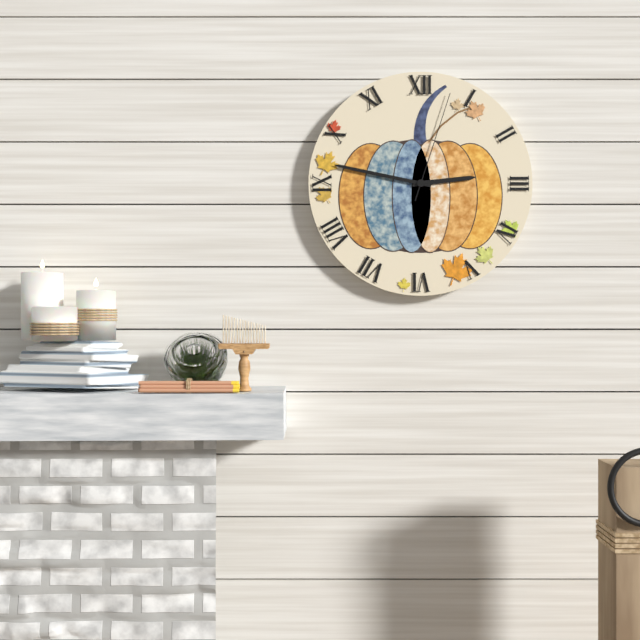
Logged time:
2:47:03
